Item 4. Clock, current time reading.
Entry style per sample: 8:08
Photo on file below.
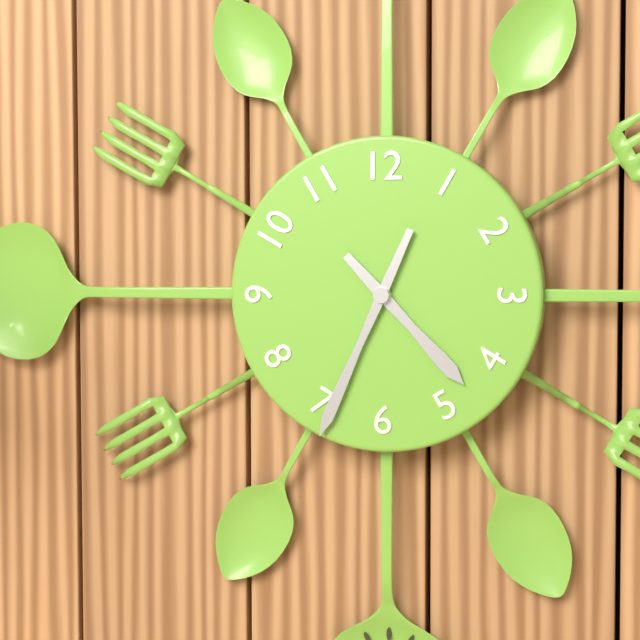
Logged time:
4:34
